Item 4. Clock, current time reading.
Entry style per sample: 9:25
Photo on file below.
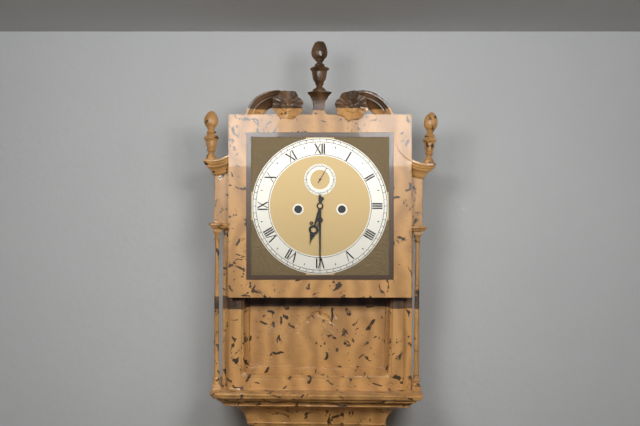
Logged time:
6:30
